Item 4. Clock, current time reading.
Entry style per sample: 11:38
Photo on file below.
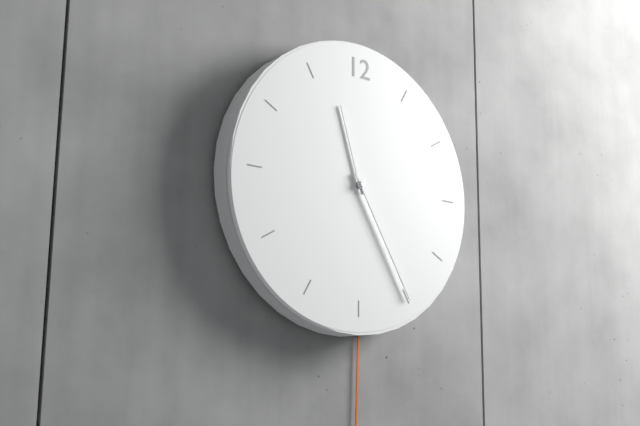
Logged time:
11:25
